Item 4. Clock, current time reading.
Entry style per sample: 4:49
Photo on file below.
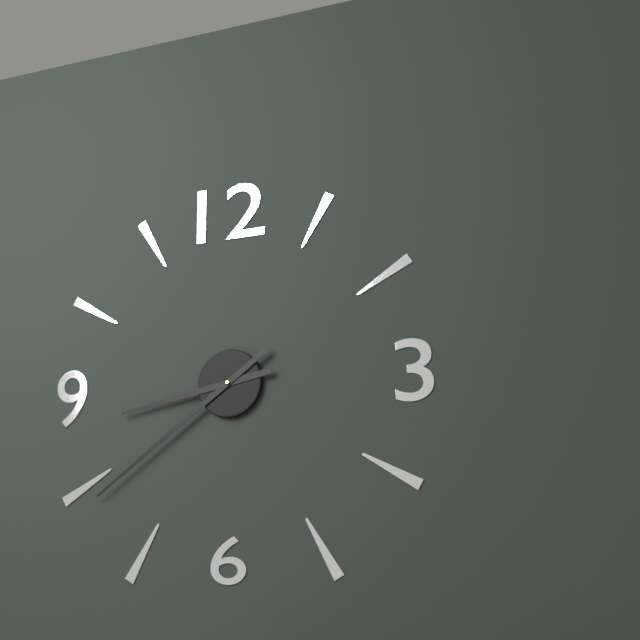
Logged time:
8:39
